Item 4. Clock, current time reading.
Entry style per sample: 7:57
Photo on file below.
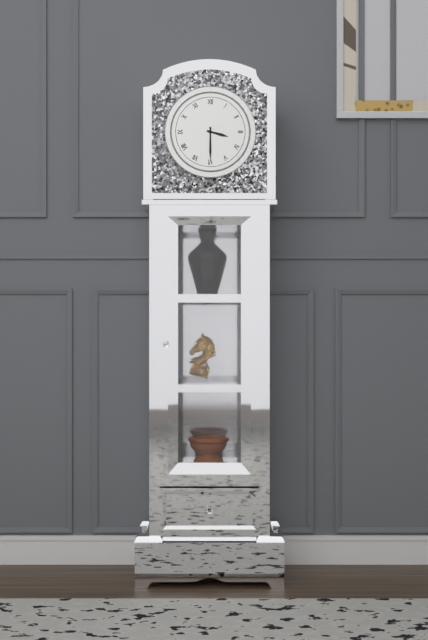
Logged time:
3:30
